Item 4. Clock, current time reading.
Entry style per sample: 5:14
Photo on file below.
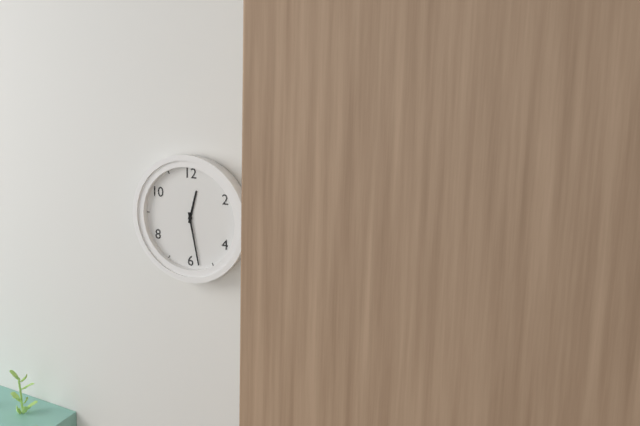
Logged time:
12:28
